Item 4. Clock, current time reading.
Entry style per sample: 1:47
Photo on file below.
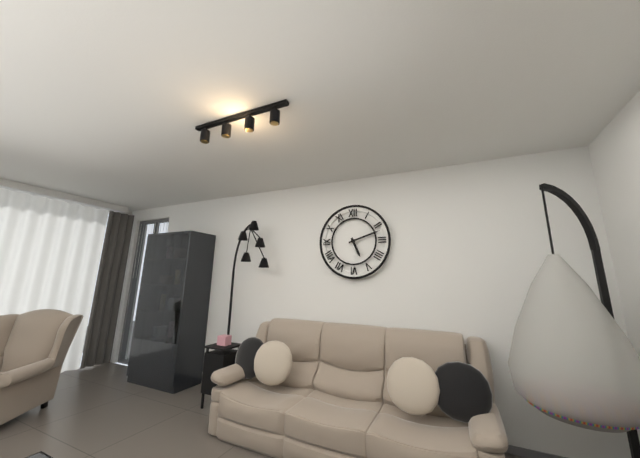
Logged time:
5:12
